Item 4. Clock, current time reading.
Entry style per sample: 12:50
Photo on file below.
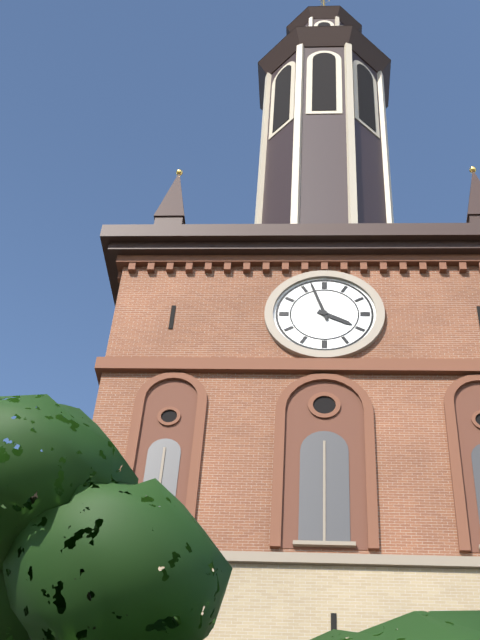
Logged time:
3:57
